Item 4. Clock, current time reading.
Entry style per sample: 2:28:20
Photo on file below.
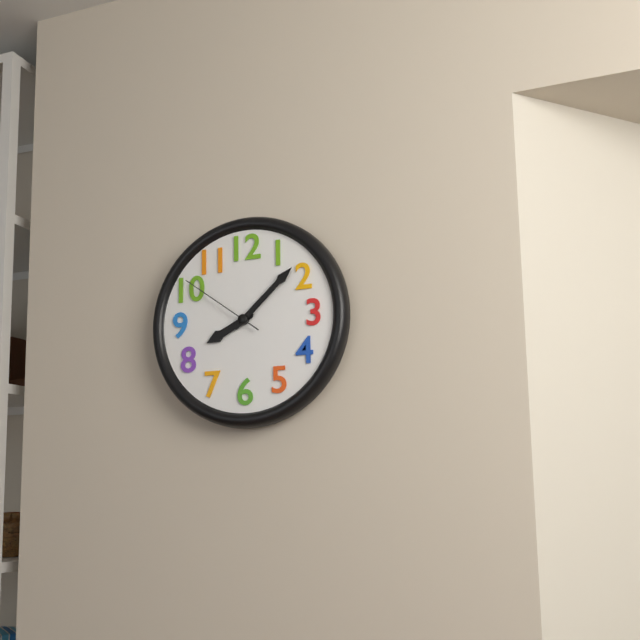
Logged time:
8:08:51
